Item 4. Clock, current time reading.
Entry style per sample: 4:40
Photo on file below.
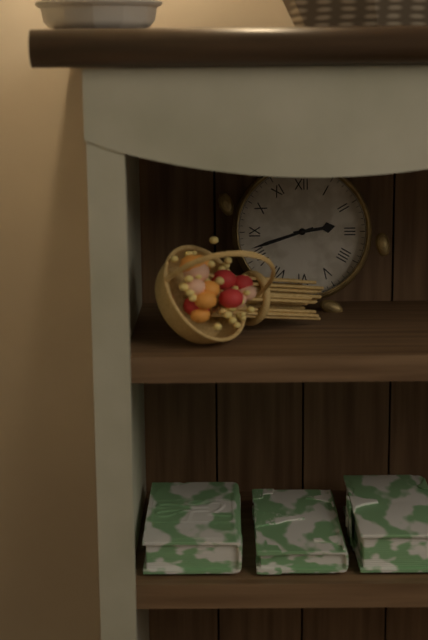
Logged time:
2:42
